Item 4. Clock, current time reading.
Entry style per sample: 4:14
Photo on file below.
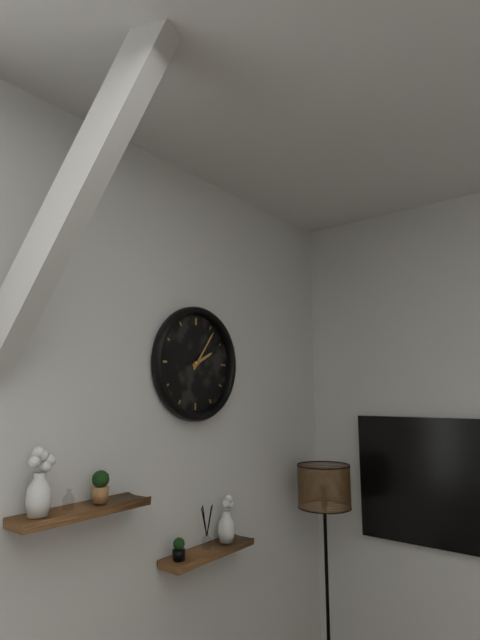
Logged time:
2:06
